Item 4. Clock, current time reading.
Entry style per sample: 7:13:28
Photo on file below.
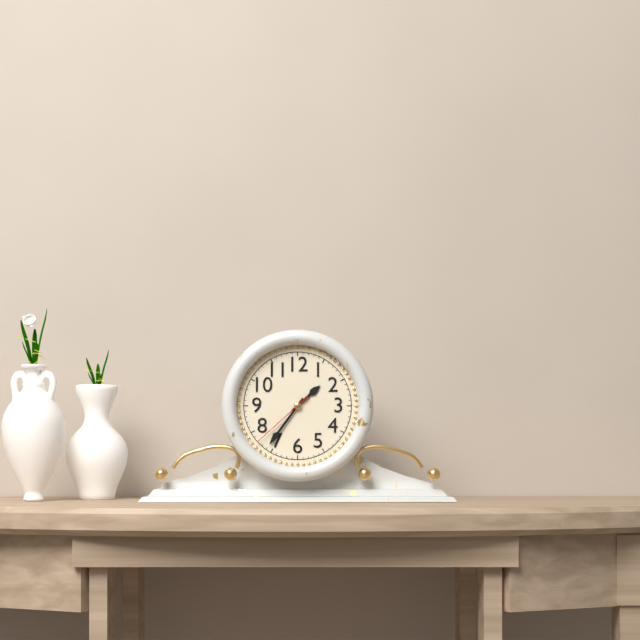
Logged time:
1:36:38
